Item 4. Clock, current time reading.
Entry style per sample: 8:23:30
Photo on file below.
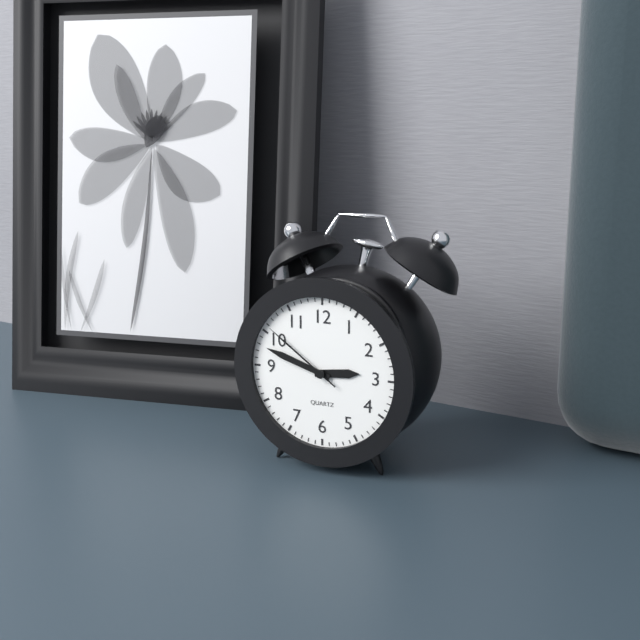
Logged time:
2:48:51
